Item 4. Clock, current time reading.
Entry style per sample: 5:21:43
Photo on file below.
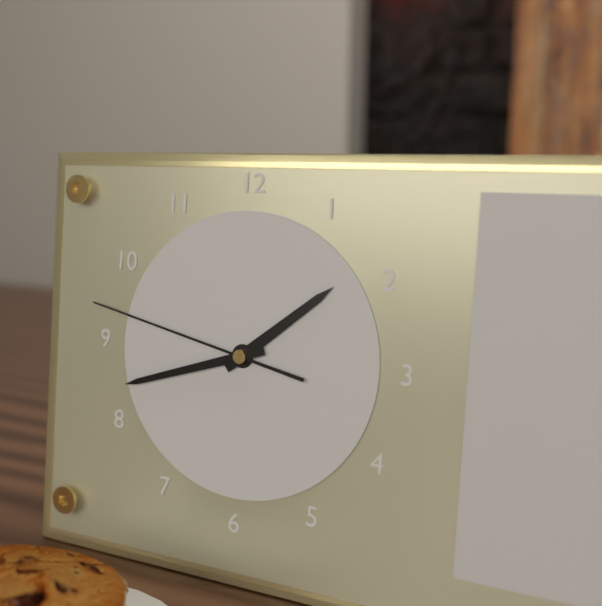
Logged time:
1:42:47
